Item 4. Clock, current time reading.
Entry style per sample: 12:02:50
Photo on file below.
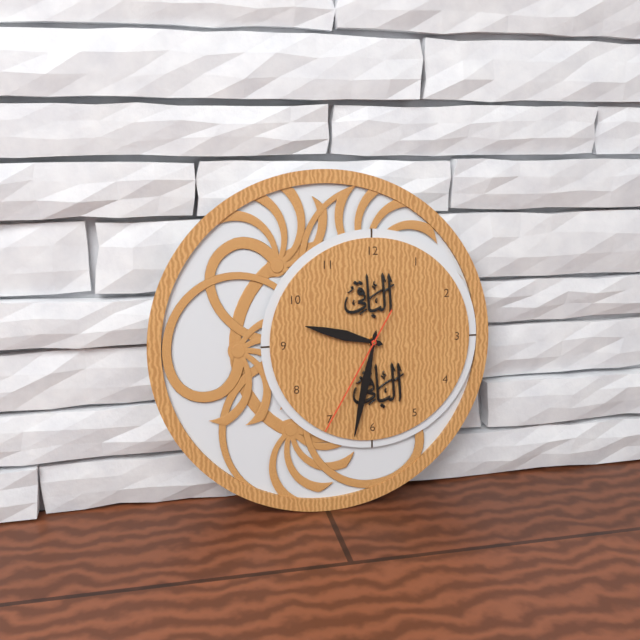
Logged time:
9:32:35
